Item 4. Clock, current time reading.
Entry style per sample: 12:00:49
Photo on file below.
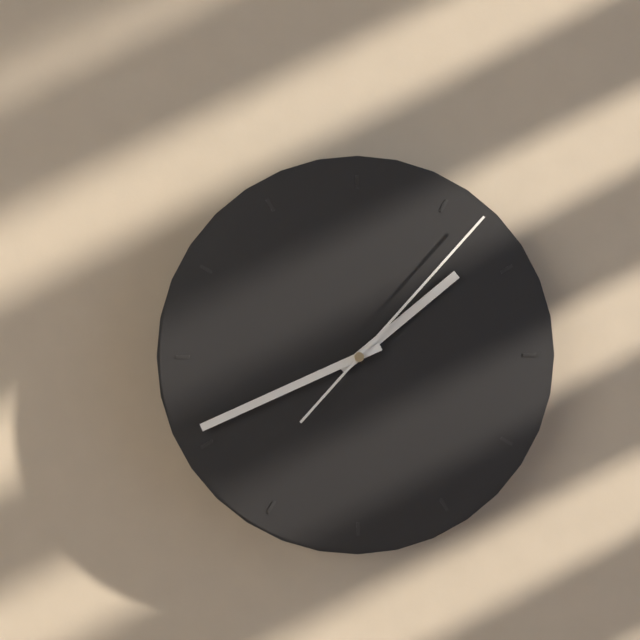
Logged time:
1:41:07
